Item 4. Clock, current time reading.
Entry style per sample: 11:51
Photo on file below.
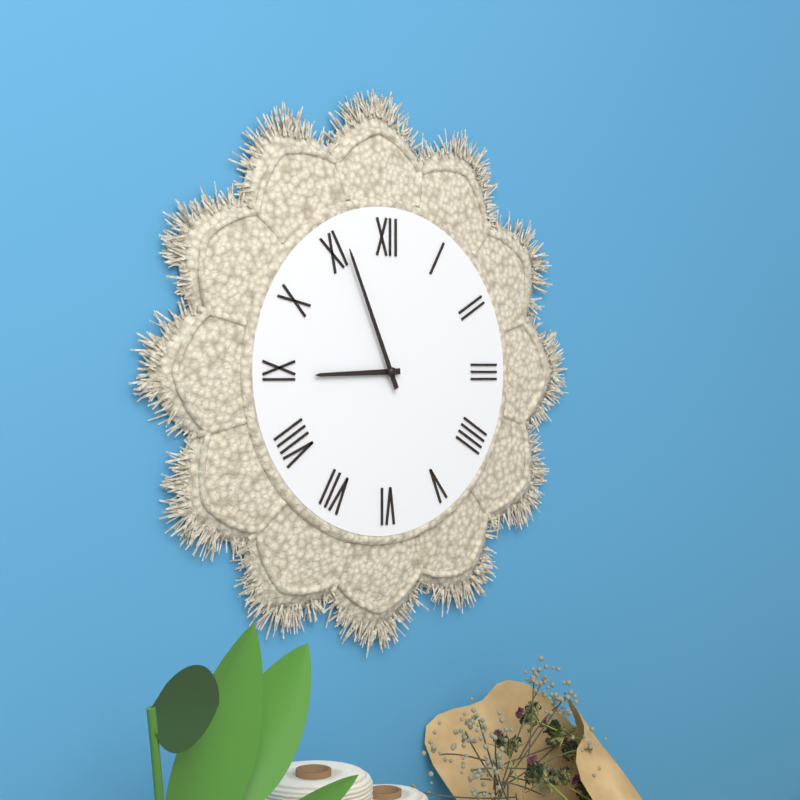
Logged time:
8:56
